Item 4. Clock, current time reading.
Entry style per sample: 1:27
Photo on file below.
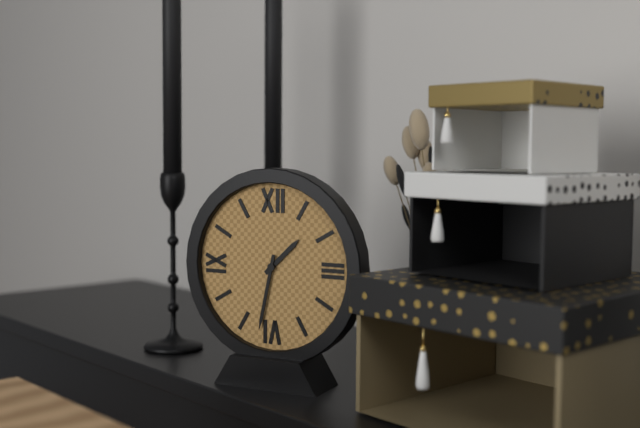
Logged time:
1:32
